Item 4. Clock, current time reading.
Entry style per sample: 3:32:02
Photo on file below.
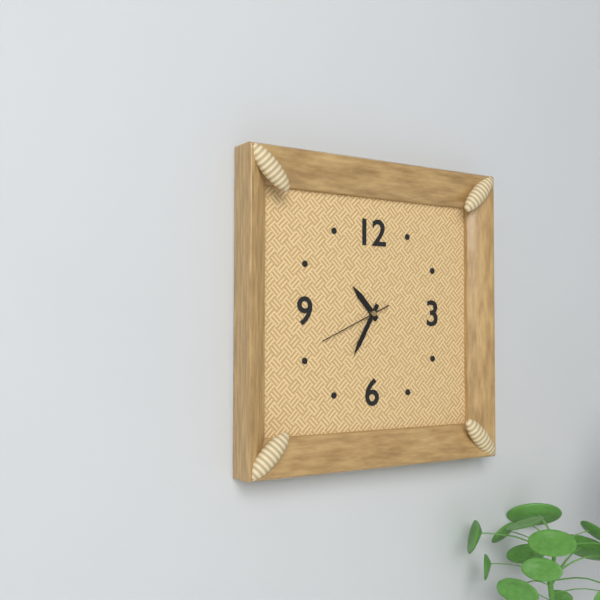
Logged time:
10:35:41
